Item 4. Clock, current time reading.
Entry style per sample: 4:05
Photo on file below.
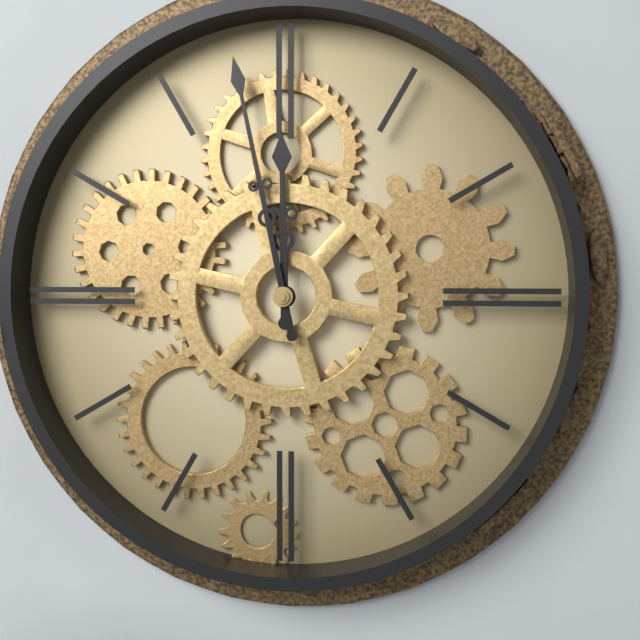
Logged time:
11:58
